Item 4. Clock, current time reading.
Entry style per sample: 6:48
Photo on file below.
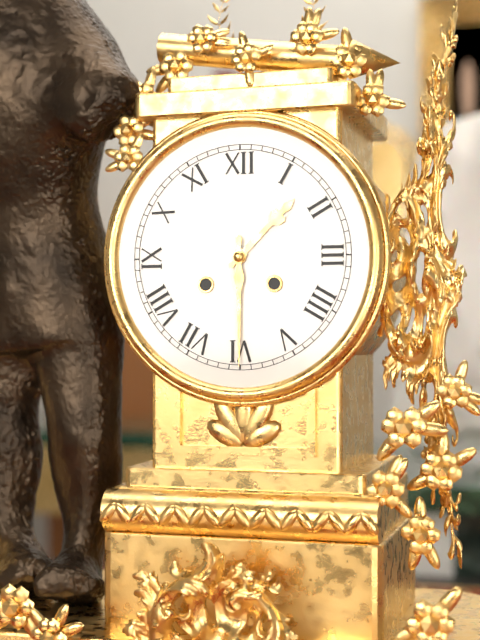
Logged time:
1:30
